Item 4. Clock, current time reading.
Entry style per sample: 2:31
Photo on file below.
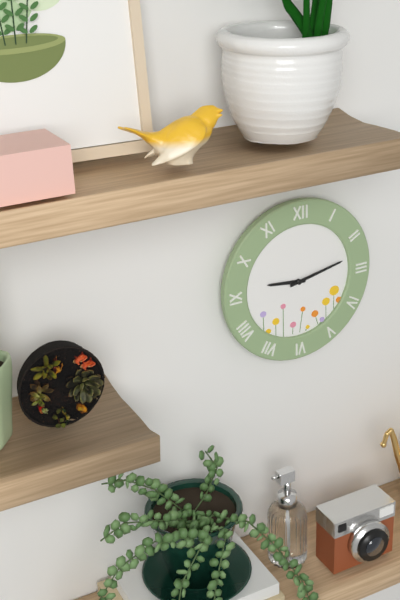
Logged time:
9:13
